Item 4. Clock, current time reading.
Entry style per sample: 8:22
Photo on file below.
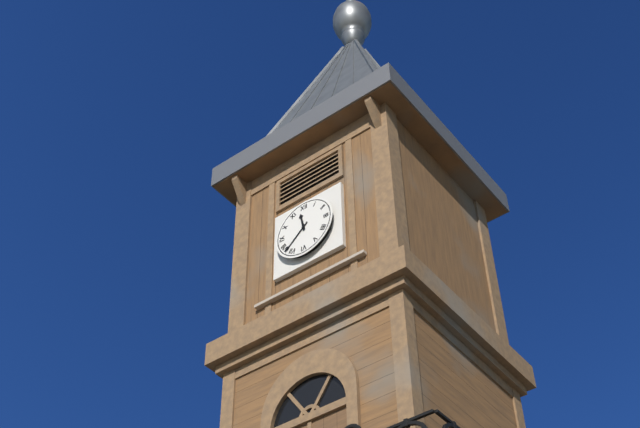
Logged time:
11:38
